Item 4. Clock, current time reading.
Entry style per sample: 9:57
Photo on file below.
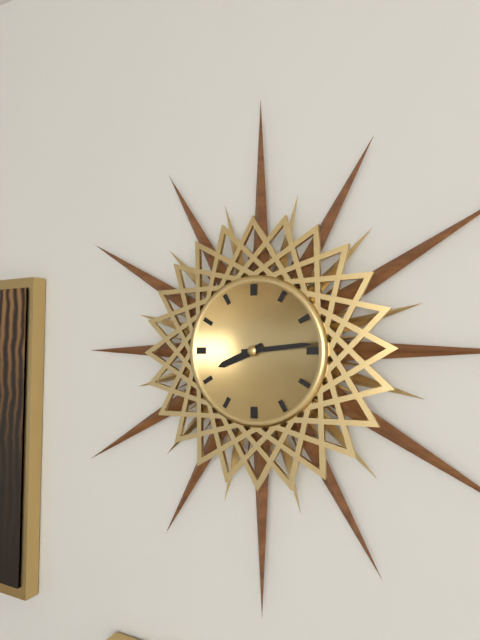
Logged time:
8:14
